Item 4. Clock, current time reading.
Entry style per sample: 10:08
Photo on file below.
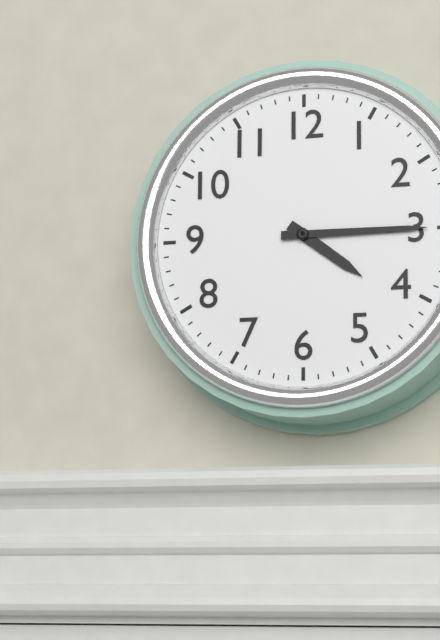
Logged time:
4:15
